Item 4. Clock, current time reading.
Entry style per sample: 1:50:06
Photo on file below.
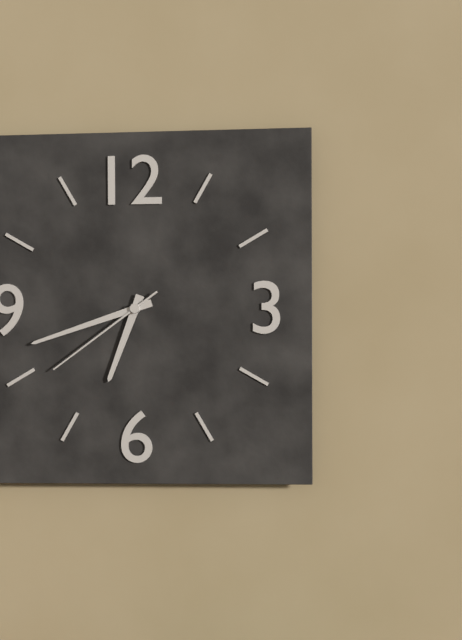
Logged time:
6:42:39
